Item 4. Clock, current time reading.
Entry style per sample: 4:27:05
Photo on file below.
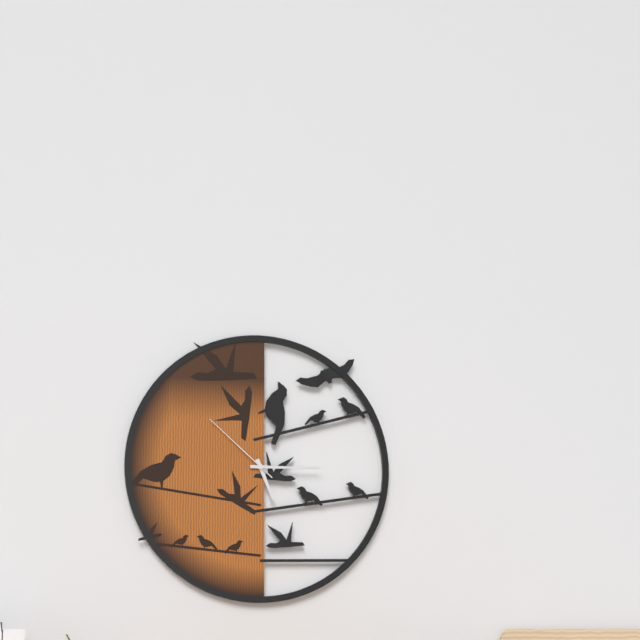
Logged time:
5:15:52
